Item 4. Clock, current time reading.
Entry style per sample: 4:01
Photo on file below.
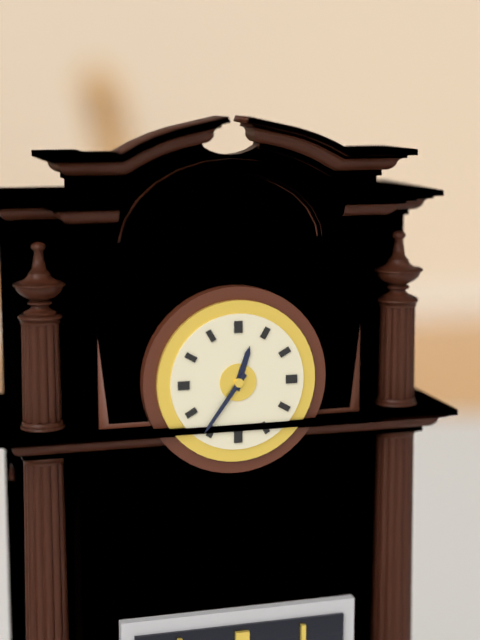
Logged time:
12:36
